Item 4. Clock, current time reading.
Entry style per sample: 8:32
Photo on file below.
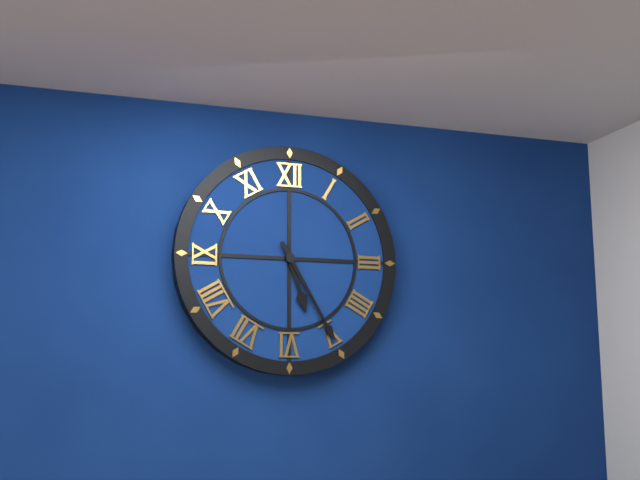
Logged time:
5:25
